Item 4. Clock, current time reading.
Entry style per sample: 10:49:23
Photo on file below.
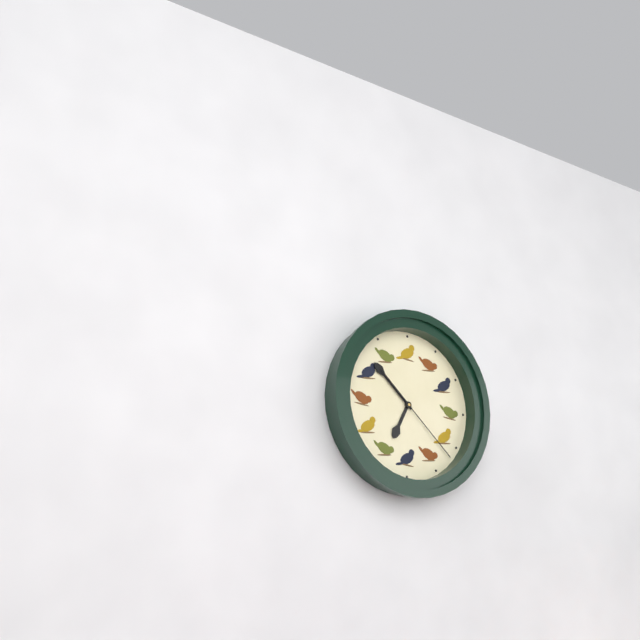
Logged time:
6:52:22
